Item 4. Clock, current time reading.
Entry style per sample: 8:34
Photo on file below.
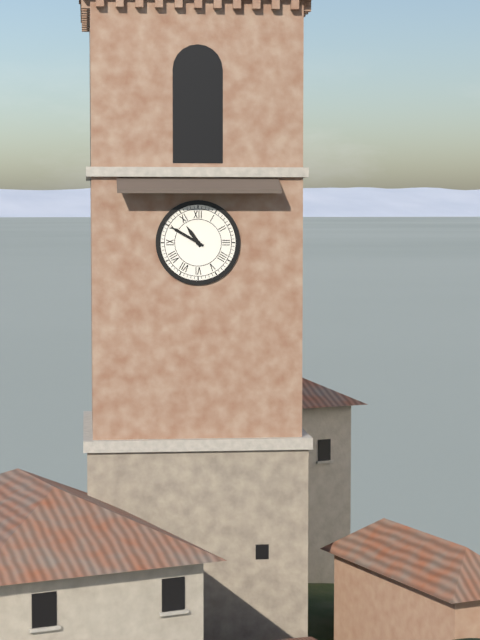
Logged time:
10:50
